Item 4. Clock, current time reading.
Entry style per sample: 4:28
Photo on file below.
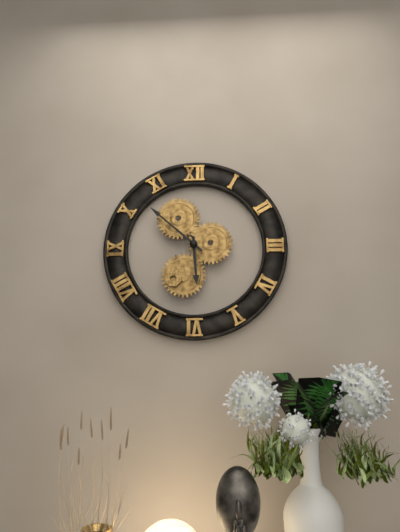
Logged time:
5:52
